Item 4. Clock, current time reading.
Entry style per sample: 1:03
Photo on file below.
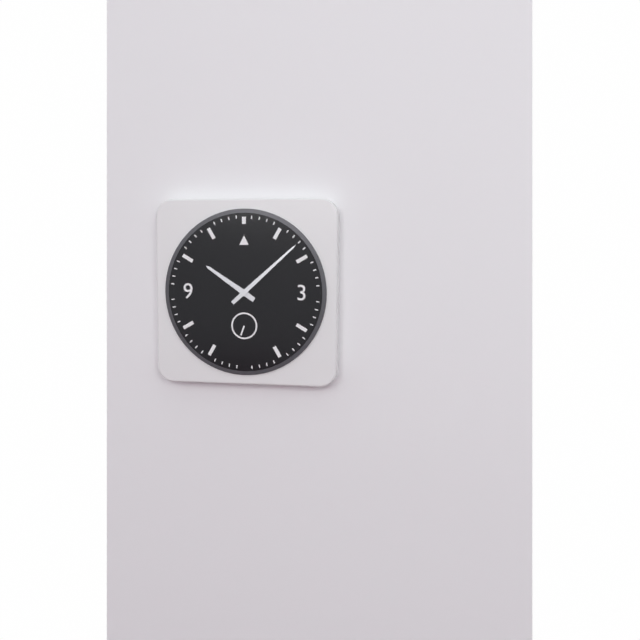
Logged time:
10:08
